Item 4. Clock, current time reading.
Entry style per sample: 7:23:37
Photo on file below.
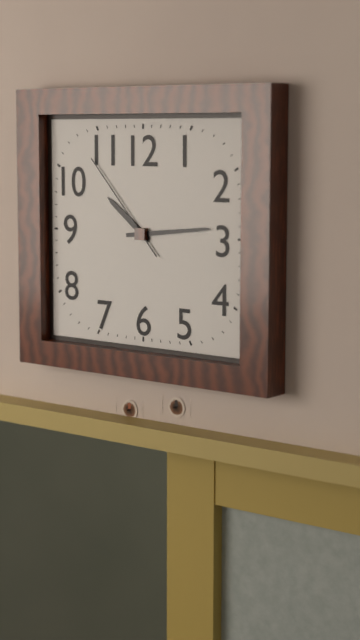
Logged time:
10:14:53
